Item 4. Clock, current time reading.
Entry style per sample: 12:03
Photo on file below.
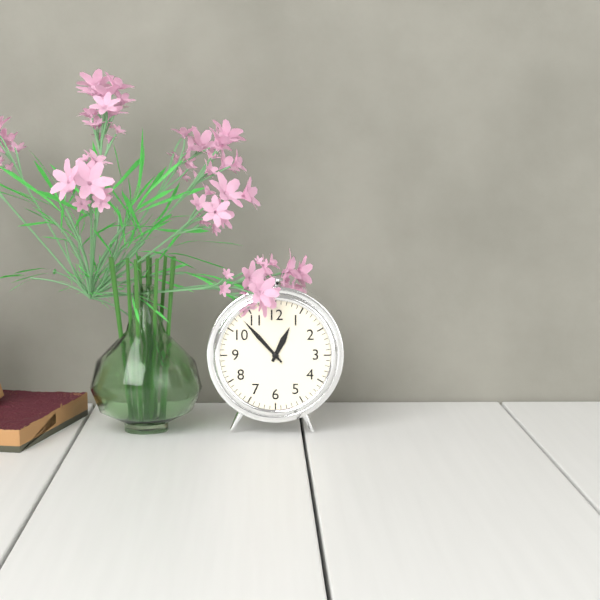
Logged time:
12:53
